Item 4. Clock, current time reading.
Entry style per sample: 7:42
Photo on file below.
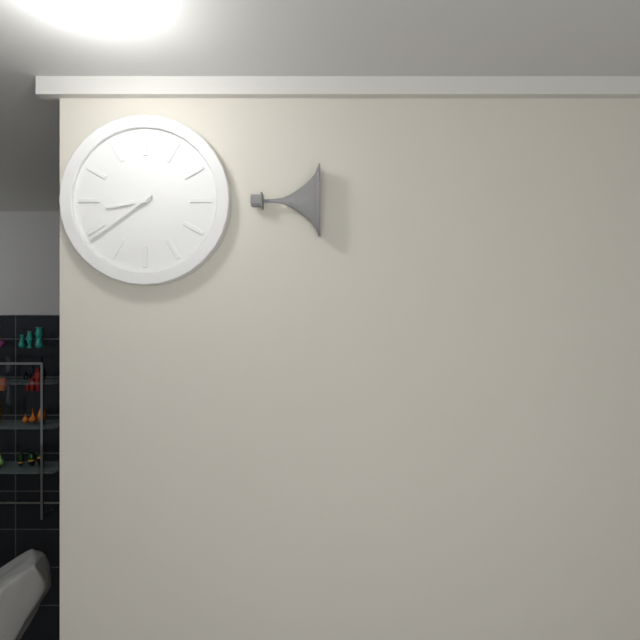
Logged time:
8:39
